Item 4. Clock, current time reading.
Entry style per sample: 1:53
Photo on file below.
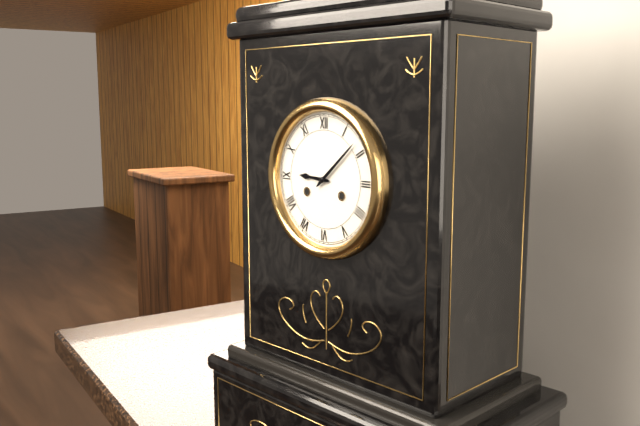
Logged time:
9:08
